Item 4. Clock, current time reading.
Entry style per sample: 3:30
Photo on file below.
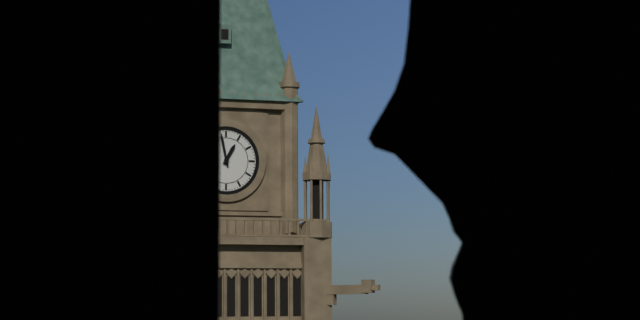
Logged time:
12:58
